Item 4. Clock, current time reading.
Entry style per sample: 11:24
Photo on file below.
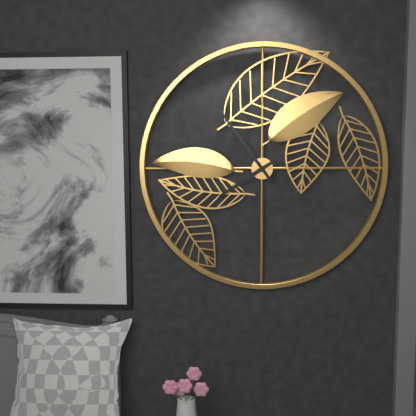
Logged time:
7:54
